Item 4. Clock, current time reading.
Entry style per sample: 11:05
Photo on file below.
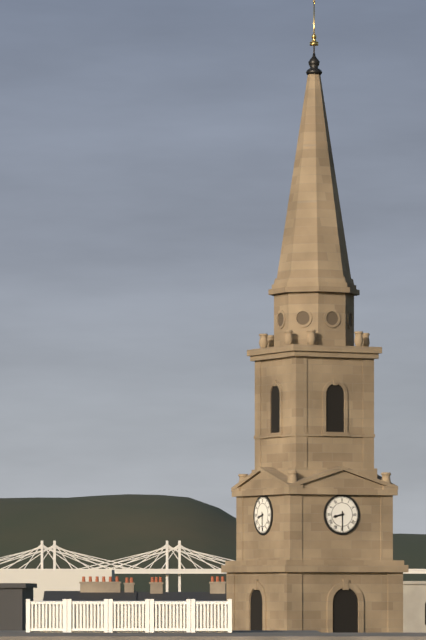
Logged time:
8:30
